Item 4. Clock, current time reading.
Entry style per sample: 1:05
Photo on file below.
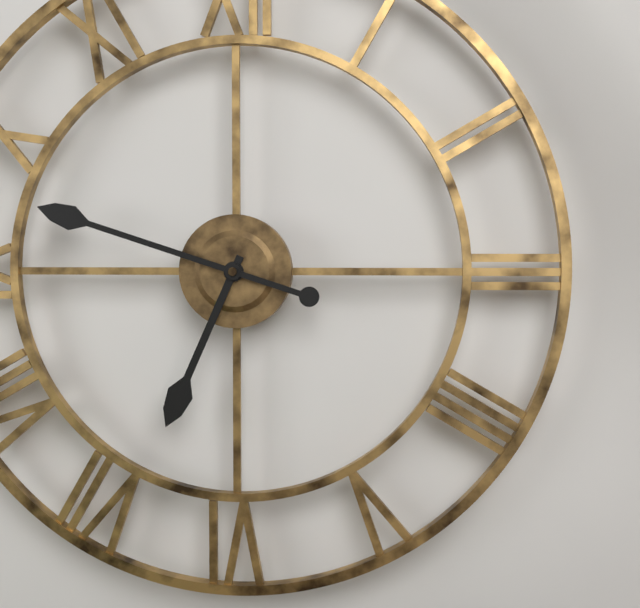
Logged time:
6:48
